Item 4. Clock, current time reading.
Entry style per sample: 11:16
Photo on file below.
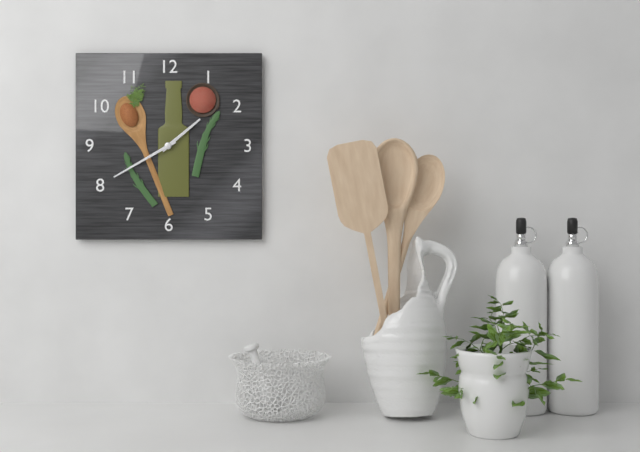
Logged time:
1:40
